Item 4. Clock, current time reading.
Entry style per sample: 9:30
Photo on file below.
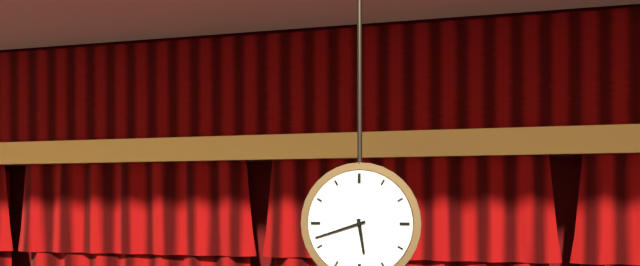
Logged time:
5:42
